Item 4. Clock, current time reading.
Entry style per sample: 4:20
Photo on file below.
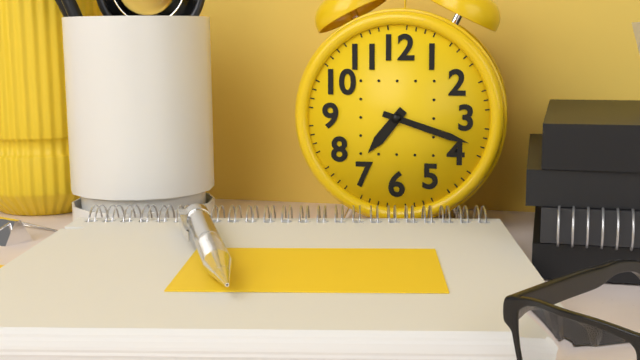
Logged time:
7:18
